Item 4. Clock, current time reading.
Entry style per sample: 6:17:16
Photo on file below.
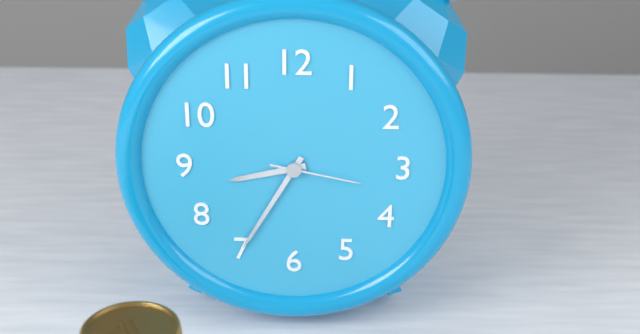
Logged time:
8:35:17
